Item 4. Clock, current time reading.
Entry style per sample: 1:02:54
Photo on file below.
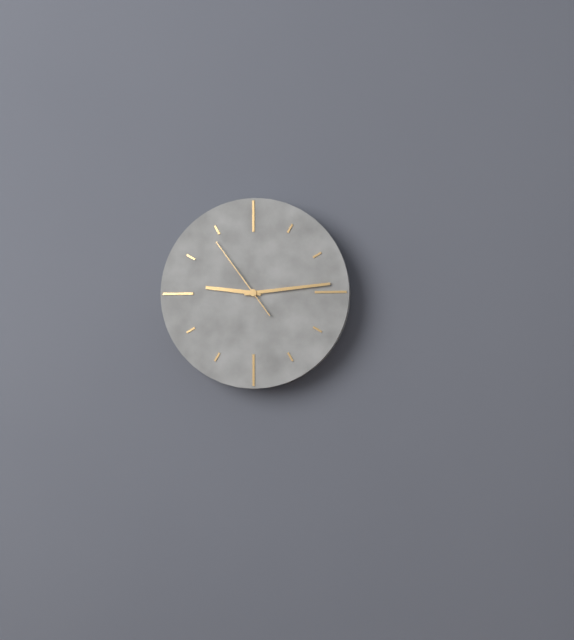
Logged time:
9:14:54
